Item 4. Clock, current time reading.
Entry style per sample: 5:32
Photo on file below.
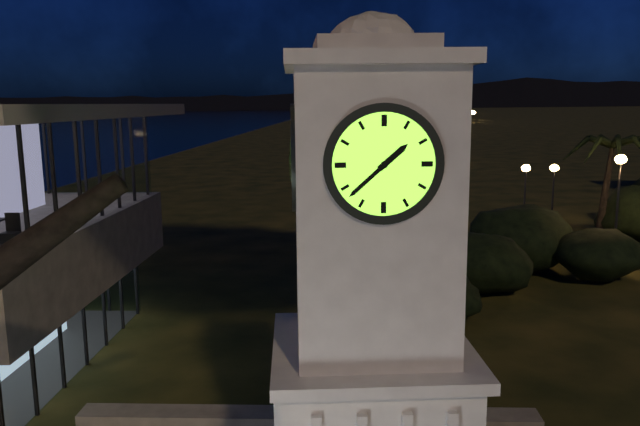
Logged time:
1:38
